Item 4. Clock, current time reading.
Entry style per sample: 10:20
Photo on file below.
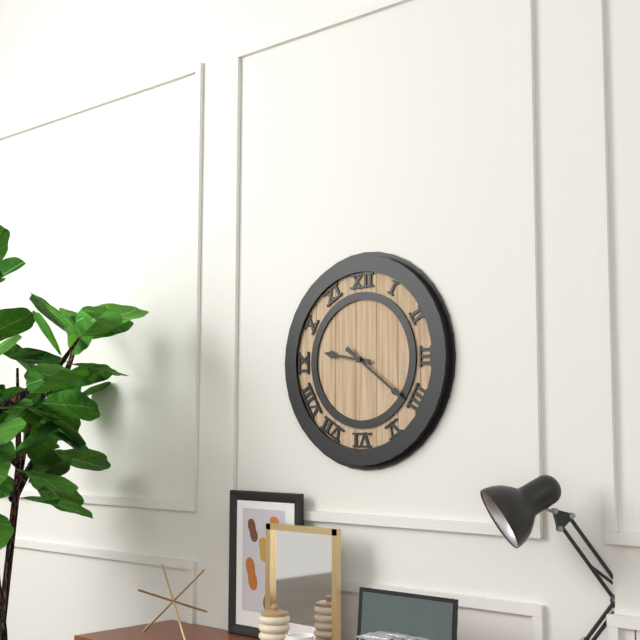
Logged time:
9:21
